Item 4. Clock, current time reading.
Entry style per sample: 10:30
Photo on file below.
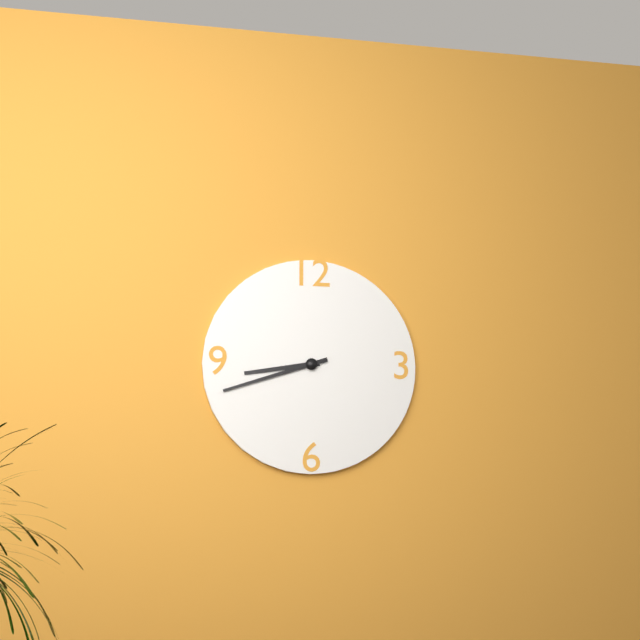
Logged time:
8:42
